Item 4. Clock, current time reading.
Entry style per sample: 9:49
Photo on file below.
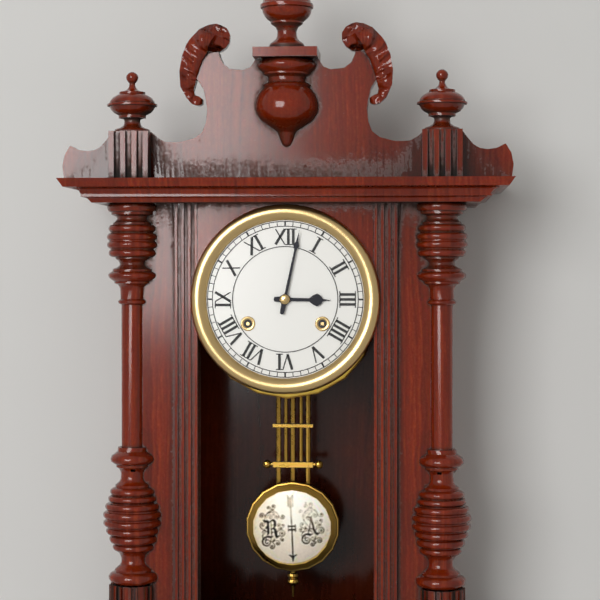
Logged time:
3:02
